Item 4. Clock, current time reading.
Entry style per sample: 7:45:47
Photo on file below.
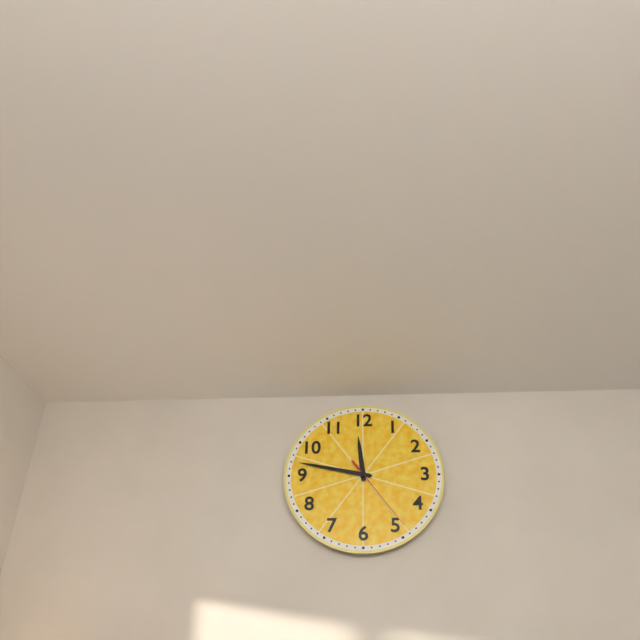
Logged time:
11:47:24
